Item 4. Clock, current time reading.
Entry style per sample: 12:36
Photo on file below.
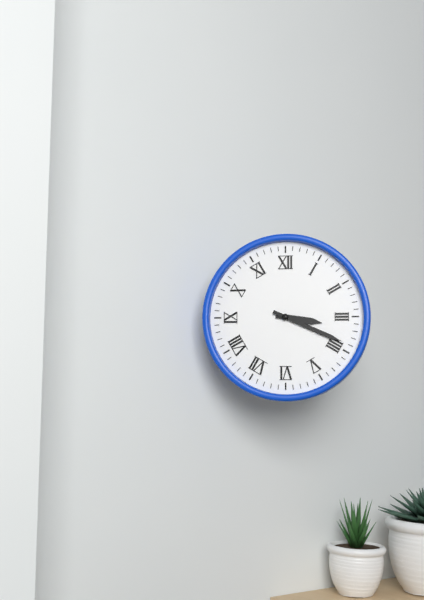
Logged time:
3:19
